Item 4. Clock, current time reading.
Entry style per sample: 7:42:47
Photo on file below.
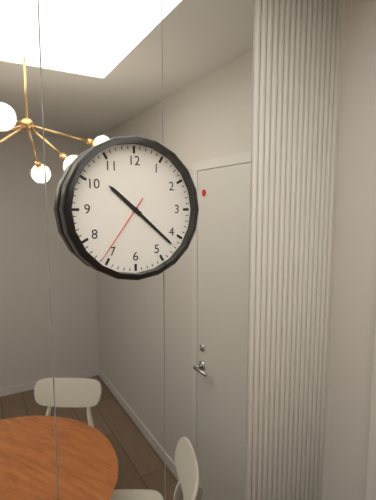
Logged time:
10:22:36
